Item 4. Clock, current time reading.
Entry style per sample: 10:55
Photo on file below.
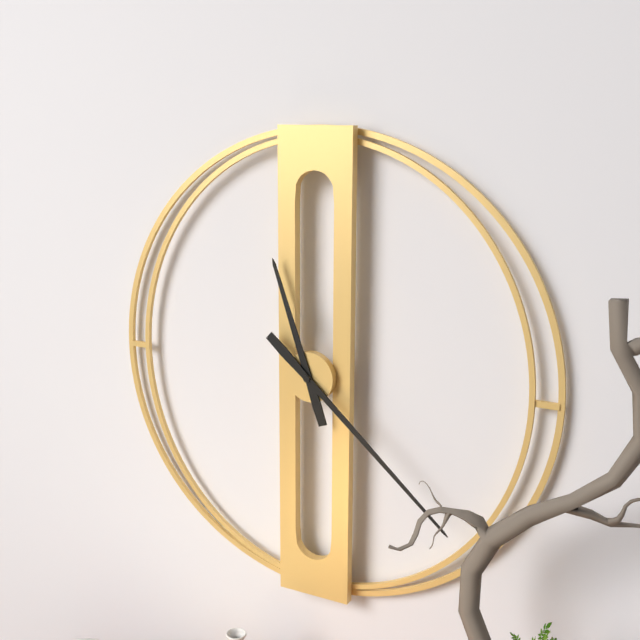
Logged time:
11:22
